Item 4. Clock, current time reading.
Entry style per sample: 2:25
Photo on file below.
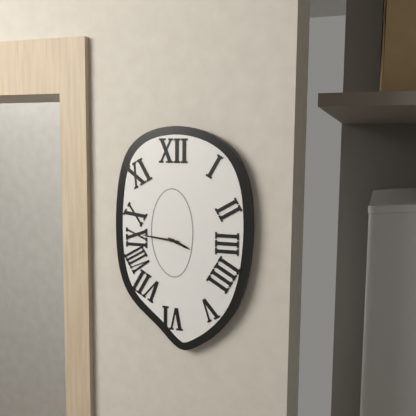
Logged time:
3:46
